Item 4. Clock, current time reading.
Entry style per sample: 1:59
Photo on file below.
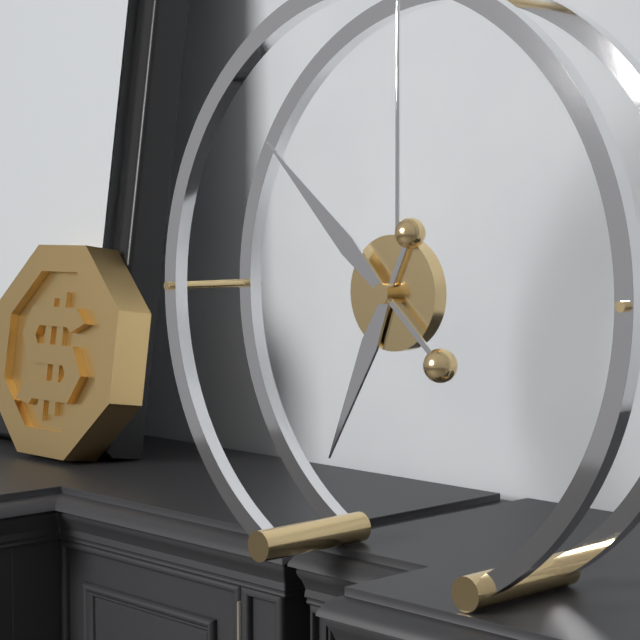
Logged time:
6:52
